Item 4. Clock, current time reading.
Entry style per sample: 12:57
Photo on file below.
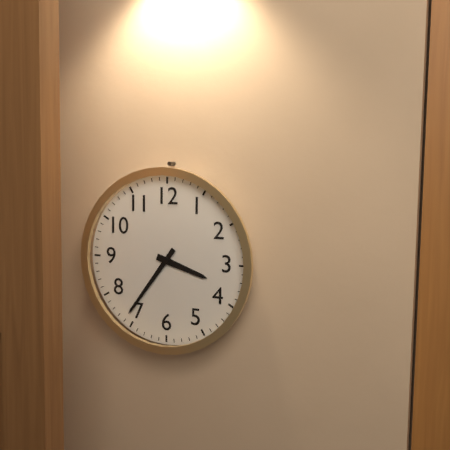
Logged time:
3:36
